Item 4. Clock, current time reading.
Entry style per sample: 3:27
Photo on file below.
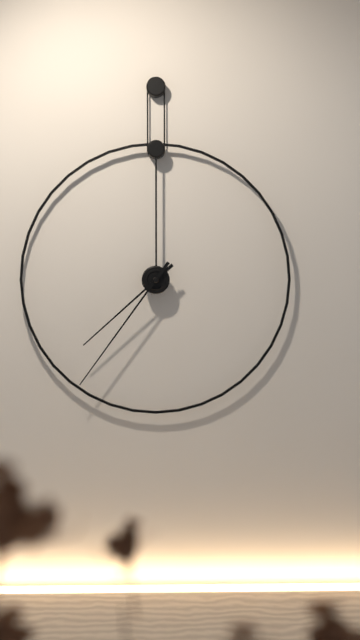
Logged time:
7:36
